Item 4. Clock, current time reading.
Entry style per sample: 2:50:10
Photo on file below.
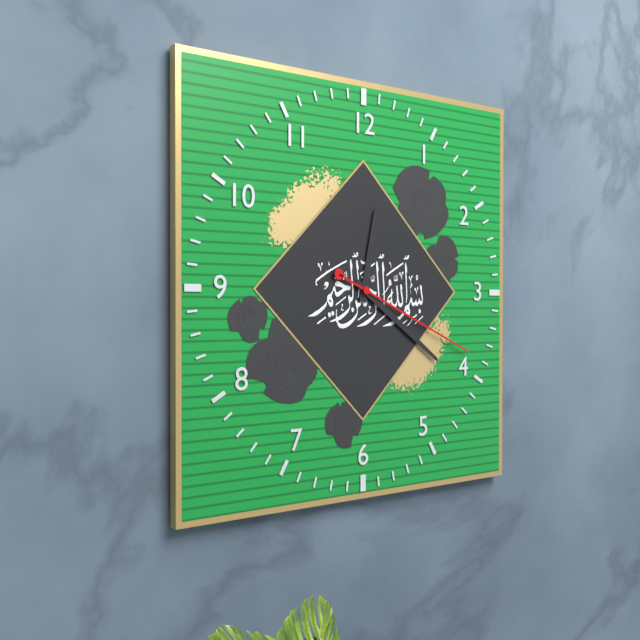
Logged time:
12:21:19
